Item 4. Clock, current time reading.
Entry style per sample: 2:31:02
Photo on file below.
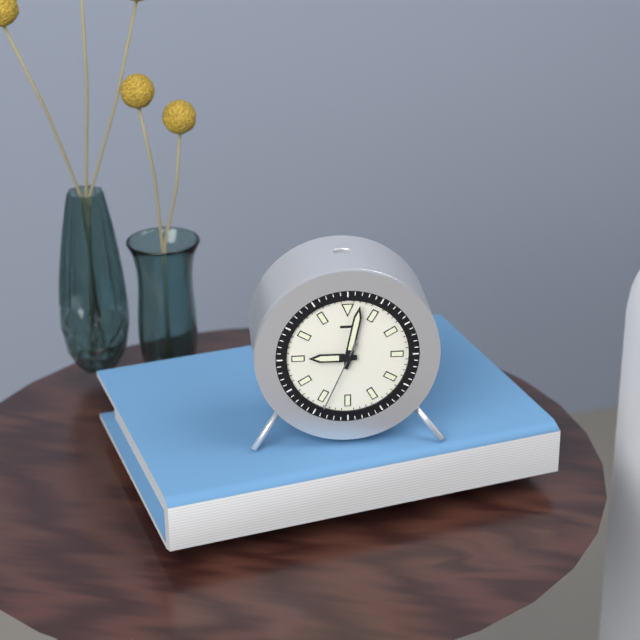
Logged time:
9:02:34
